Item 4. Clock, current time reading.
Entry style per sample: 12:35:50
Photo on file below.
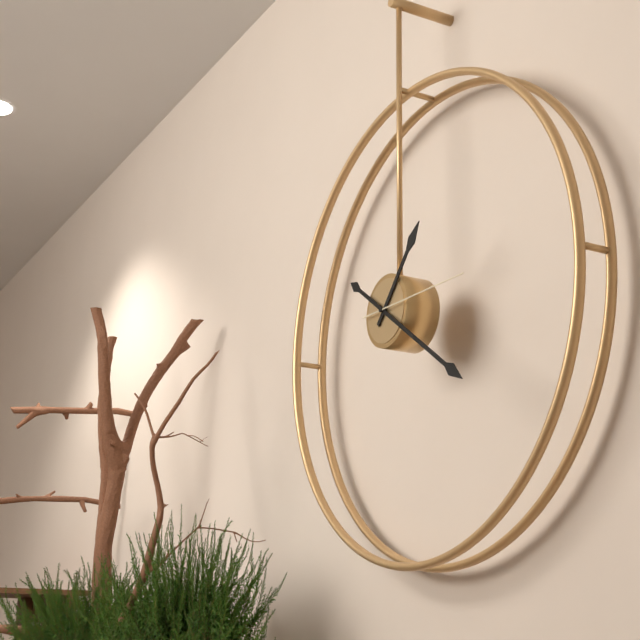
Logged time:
1:21:15
